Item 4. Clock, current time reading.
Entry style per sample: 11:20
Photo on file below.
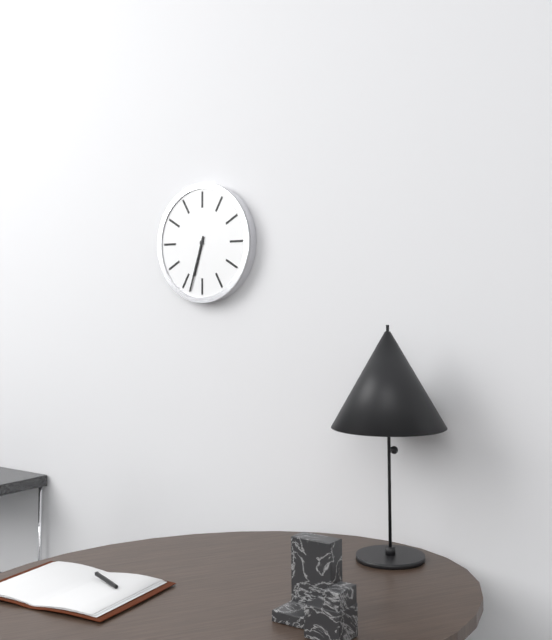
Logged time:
6:33
